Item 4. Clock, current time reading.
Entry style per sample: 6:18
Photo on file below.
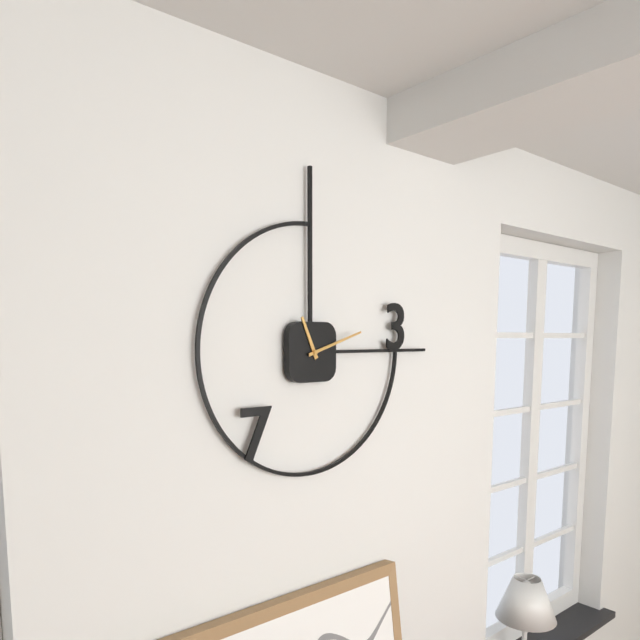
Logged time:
11:12
